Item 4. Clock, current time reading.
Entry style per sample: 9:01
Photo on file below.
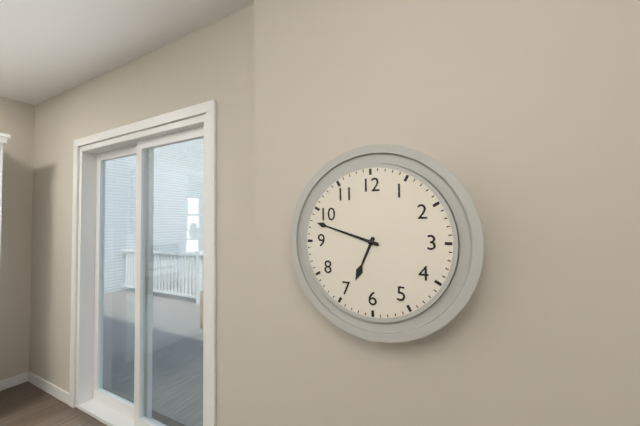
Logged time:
6:48
